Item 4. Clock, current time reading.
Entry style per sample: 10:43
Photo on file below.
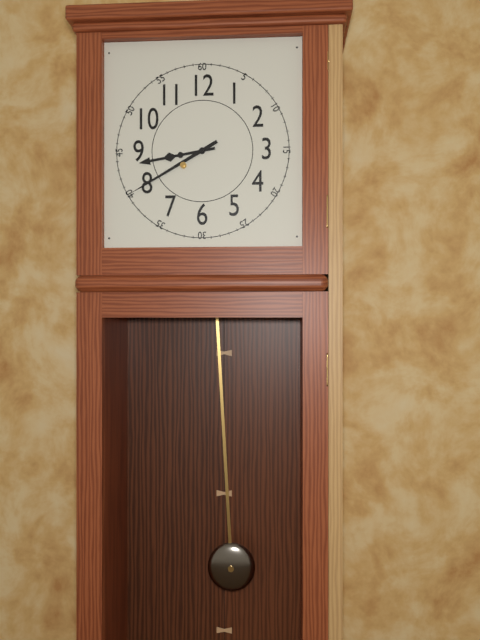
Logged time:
8:40
